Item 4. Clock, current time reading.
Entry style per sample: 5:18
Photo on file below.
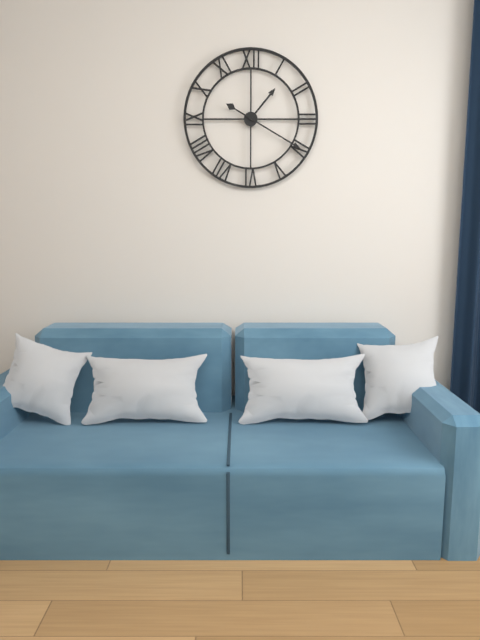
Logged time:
1:20
